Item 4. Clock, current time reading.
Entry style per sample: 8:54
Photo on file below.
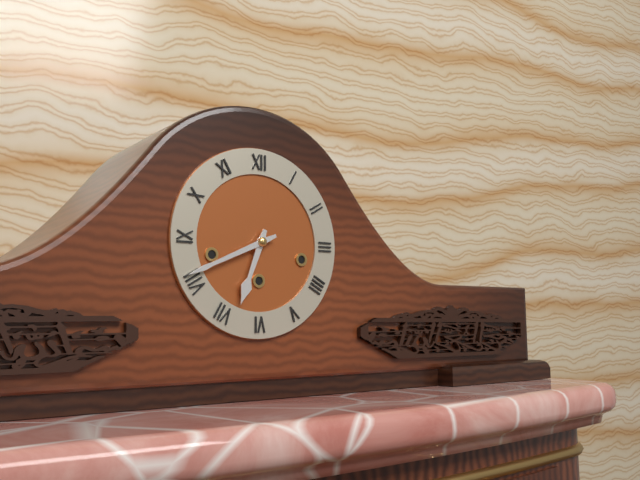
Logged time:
6:41
